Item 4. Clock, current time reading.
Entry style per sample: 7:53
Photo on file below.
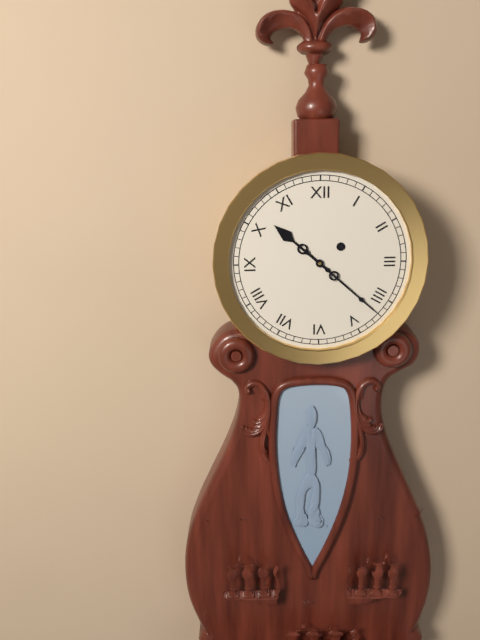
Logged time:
10:22
